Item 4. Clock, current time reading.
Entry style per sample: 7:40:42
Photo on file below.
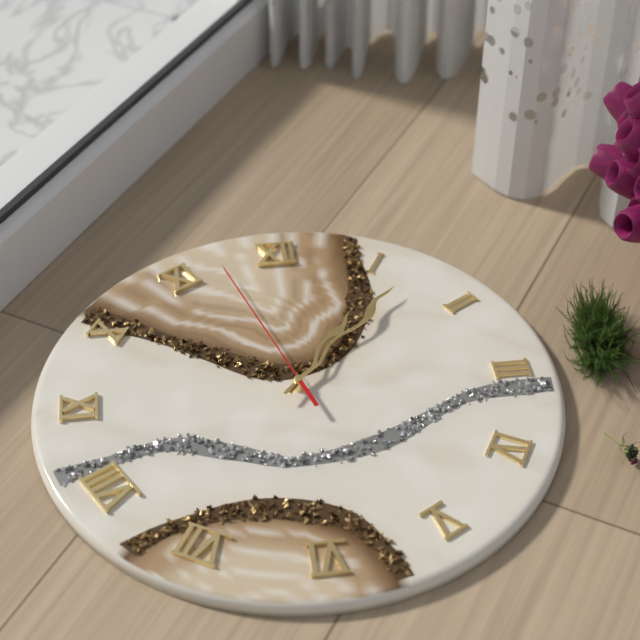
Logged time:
1:07:57
